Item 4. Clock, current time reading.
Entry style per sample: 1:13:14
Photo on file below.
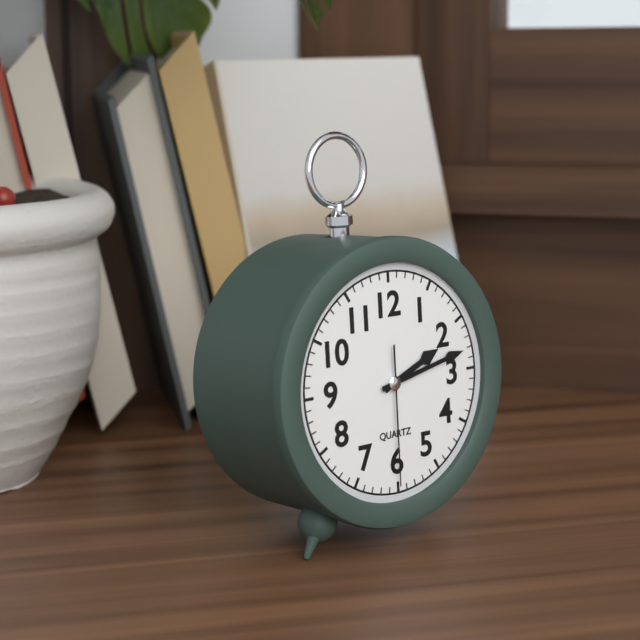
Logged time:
2:13:30
